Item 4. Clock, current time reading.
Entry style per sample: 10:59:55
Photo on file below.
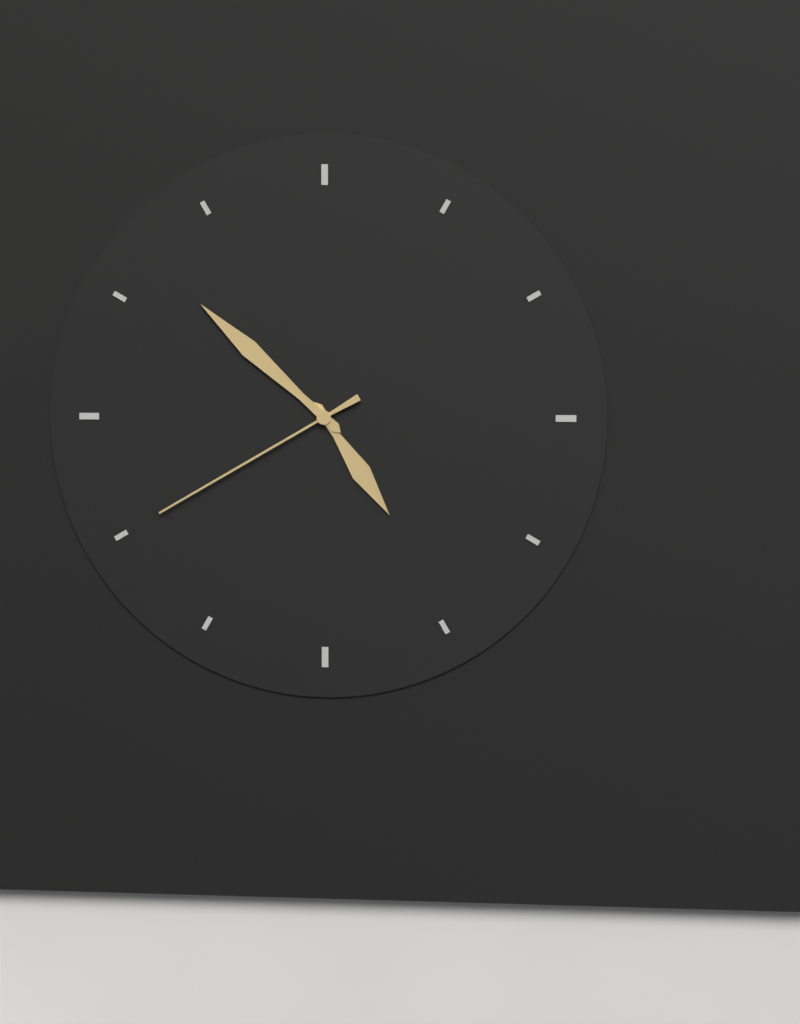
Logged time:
4:52:40
